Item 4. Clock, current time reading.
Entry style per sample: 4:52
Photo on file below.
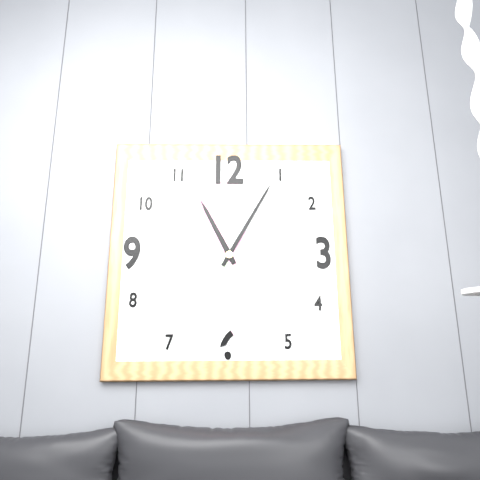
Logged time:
11:05
